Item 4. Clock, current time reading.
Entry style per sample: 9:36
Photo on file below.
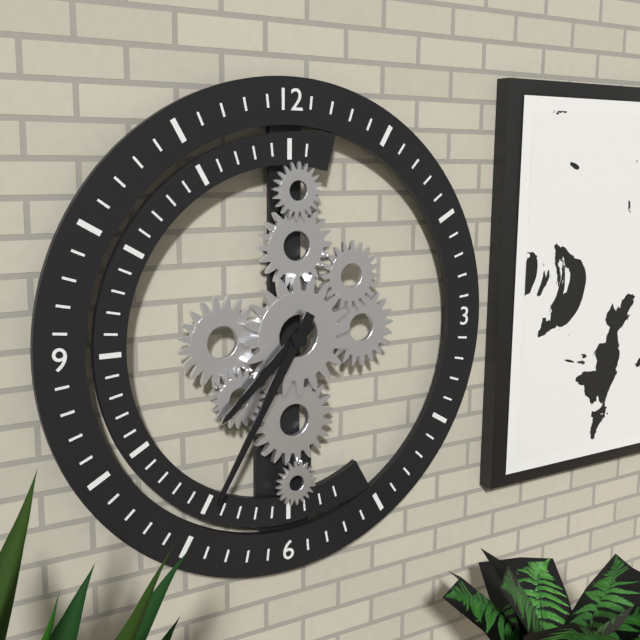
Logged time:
7:35
